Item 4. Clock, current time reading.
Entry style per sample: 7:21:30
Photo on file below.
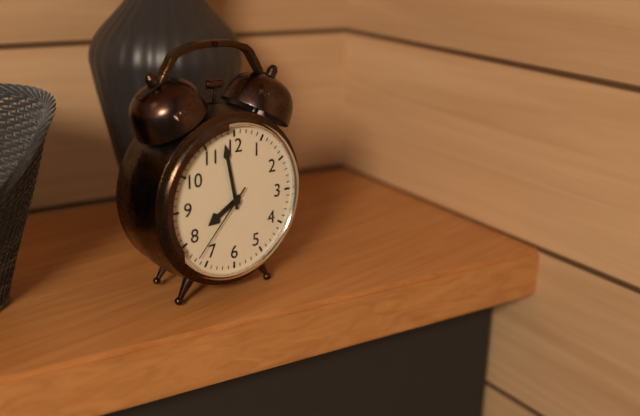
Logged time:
7:58:37
